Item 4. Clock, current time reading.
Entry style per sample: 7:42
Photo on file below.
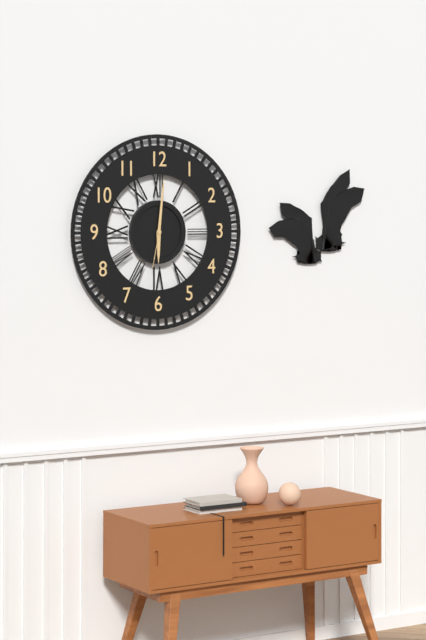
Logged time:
6:01
